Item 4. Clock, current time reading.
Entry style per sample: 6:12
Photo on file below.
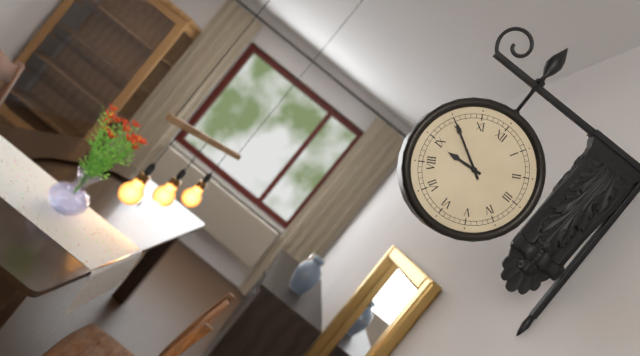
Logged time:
8:50
